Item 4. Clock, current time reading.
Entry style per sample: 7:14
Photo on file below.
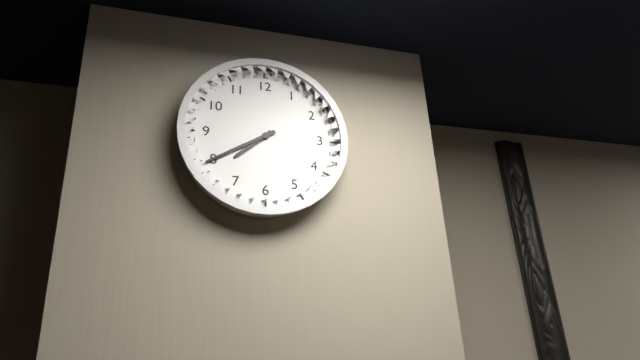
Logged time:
7:40
